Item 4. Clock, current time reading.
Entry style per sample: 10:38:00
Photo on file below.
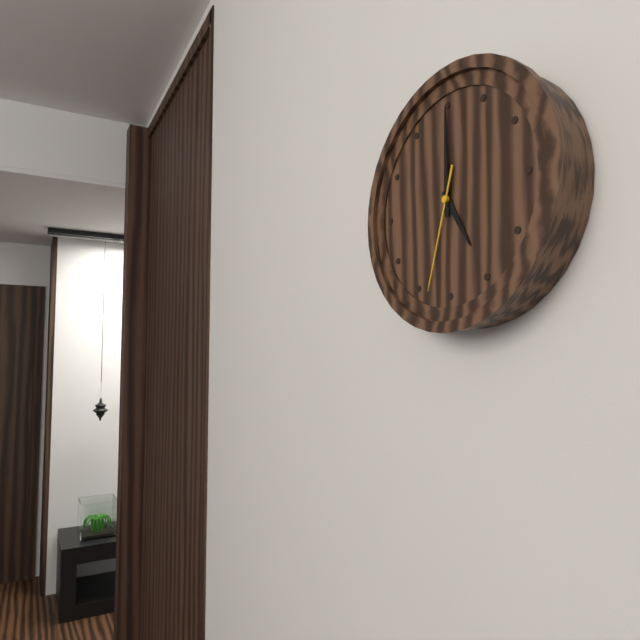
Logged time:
5:00:33
